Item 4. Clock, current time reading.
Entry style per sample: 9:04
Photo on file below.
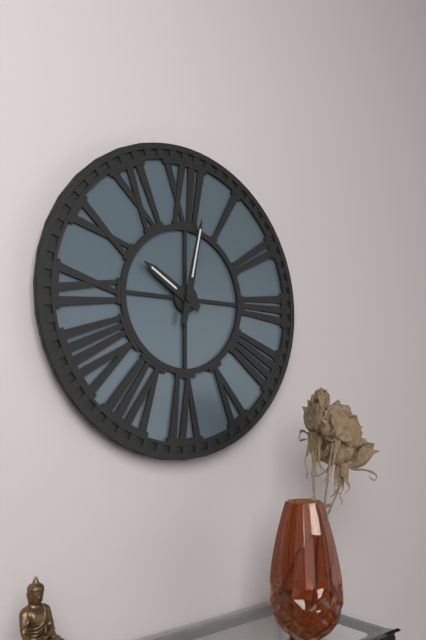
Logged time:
10:02
